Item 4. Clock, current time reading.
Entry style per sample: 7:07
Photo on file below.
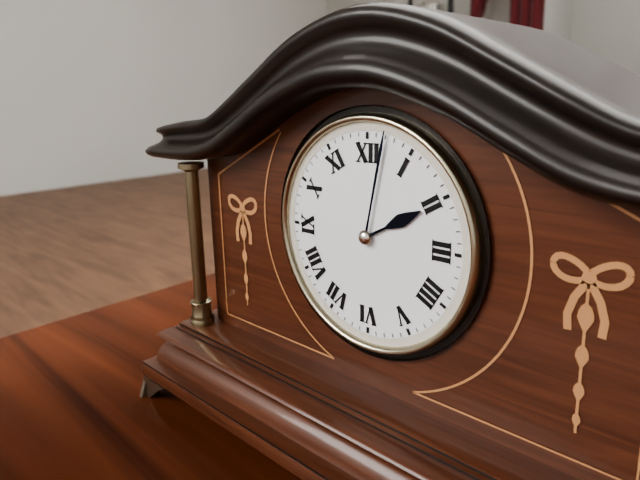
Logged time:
2:02
